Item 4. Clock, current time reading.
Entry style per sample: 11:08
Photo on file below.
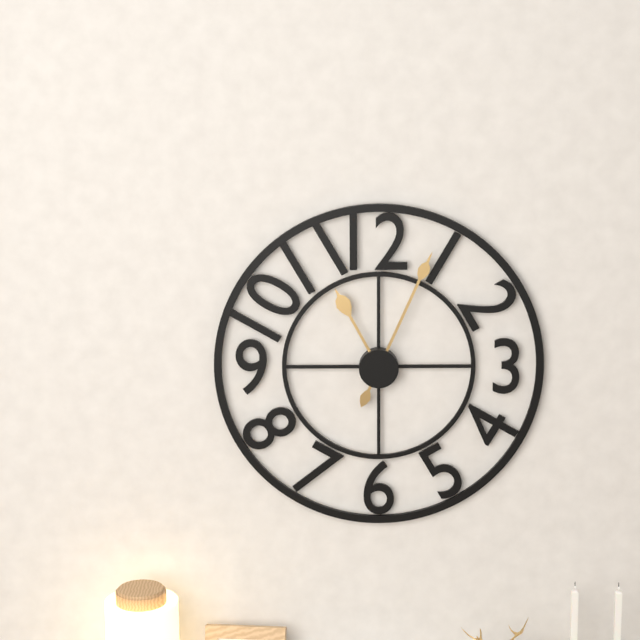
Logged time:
11:04
